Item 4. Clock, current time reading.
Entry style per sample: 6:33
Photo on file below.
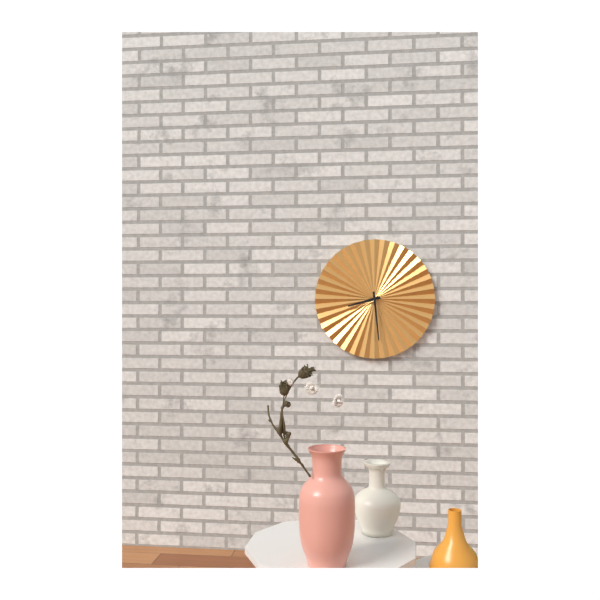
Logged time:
8:29
